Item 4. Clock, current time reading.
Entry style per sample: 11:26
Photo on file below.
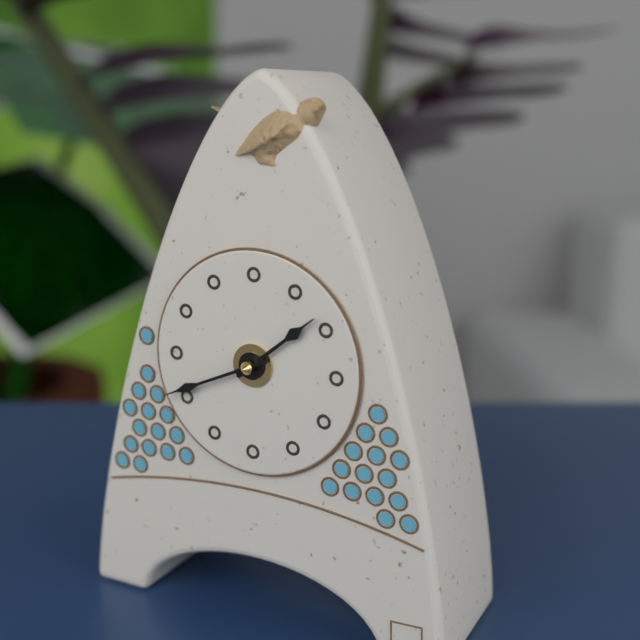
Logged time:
1:41
